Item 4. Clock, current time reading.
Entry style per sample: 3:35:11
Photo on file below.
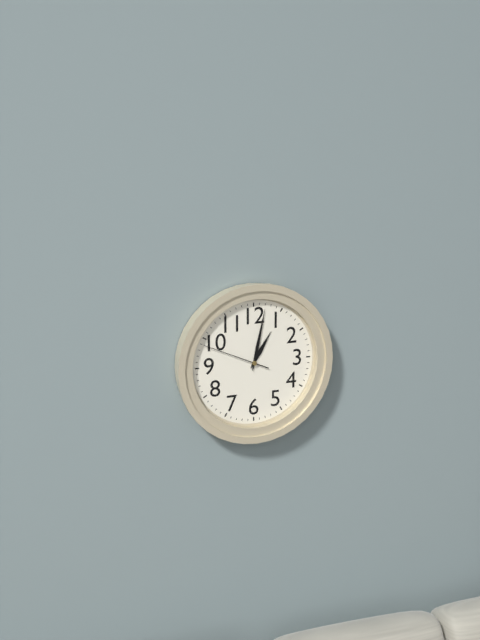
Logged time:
1:02:49
